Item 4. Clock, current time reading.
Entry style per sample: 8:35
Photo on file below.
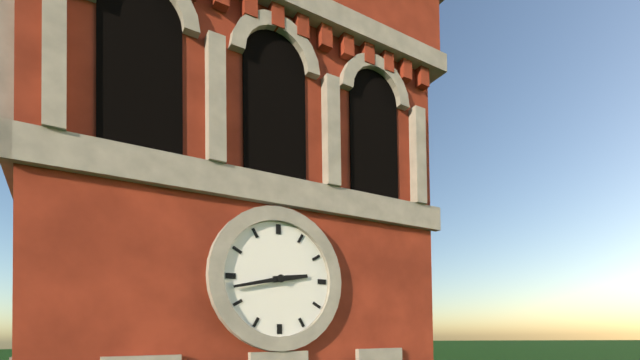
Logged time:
2:43
